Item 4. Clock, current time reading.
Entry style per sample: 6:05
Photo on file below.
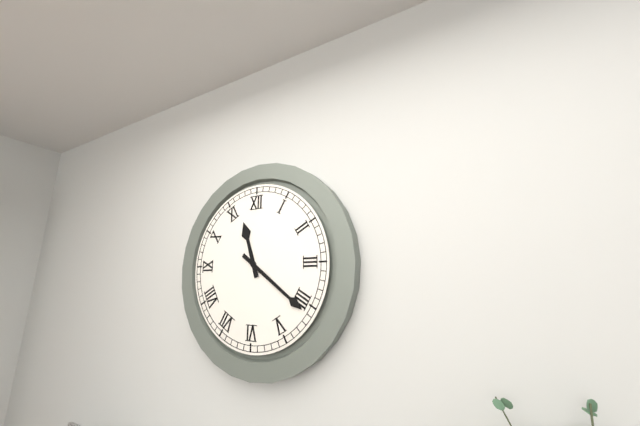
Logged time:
11:21
